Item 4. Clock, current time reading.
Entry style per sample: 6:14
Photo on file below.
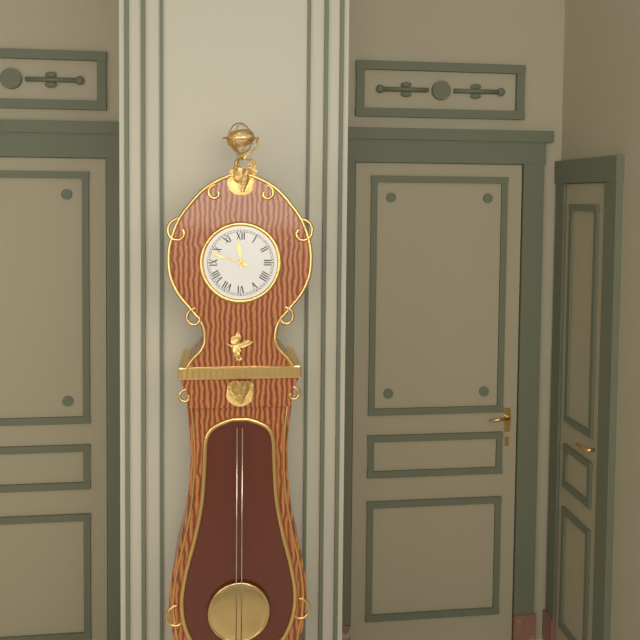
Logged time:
11:48
